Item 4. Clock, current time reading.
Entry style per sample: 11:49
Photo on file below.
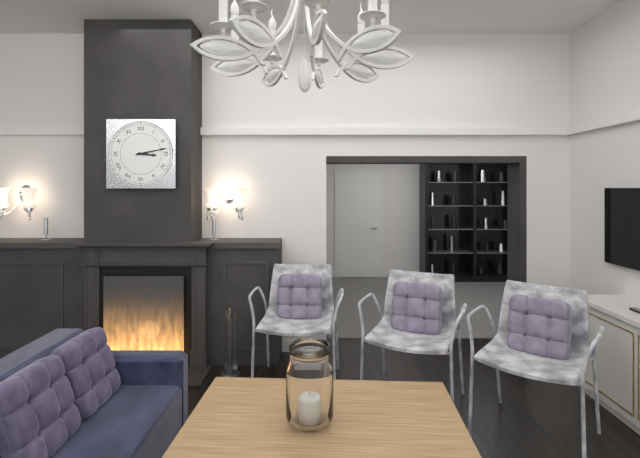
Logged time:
3:13
